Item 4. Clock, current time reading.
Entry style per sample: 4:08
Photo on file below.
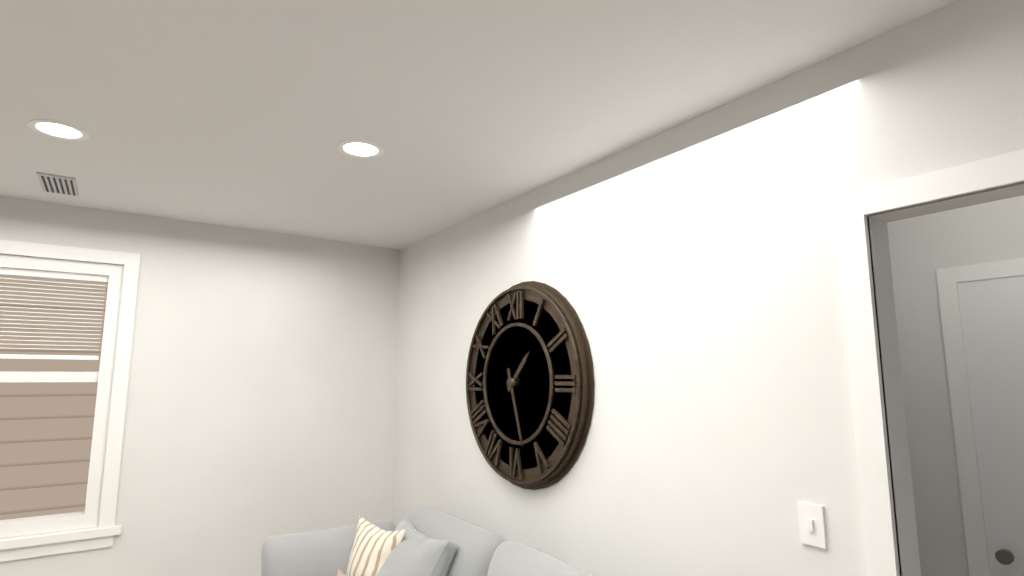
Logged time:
1:27
